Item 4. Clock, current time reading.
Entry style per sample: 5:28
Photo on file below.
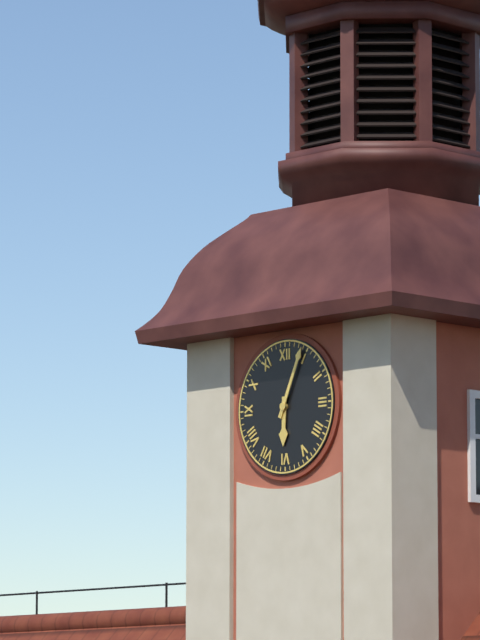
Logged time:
6:04
